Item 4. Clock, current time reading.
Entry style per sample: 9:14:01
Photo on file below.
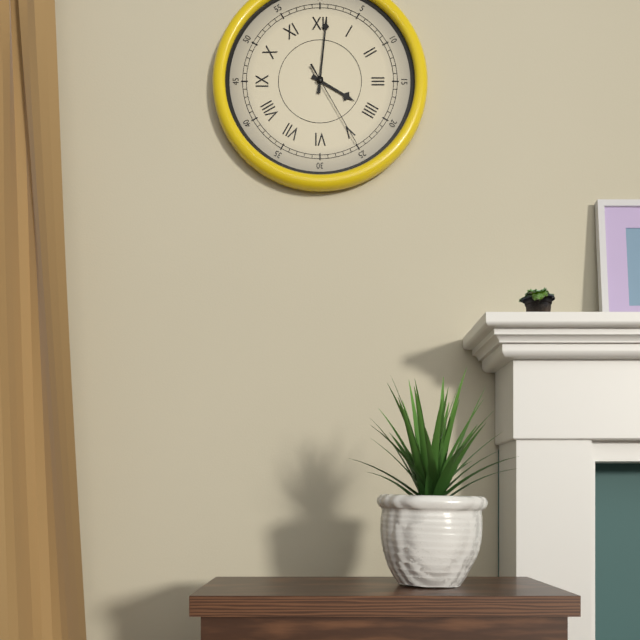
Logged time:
4:01:25
